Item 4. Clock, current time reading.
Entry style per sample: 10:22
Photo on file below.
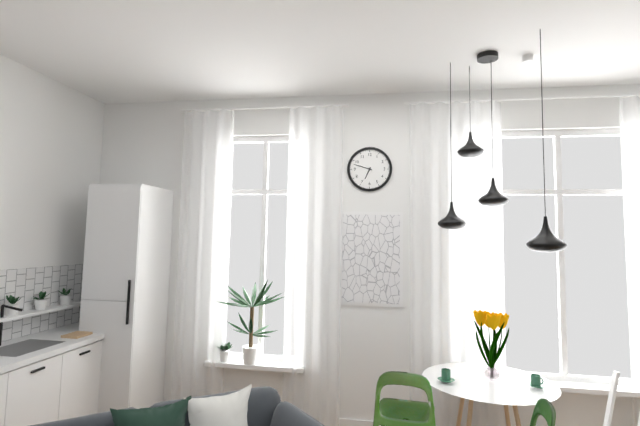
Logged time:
6:48
